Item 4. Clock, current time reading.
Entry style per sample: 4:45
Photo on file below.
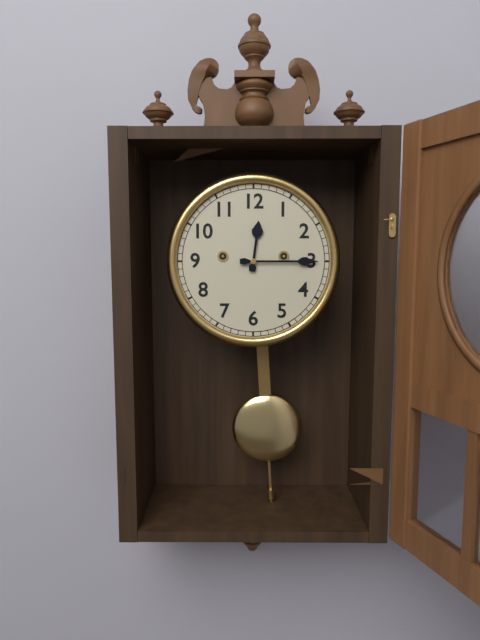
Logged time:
12:15
